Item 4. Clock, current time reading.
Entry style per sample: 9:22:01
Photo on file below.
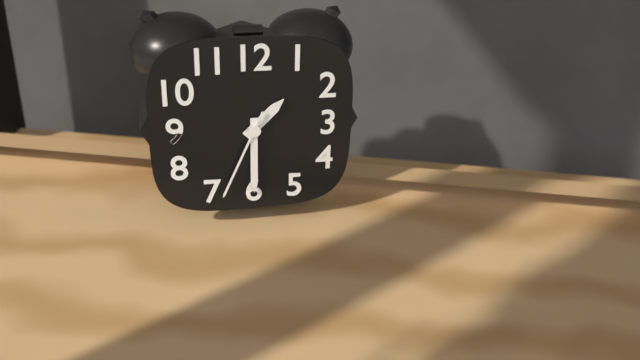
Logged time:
1:30:34
